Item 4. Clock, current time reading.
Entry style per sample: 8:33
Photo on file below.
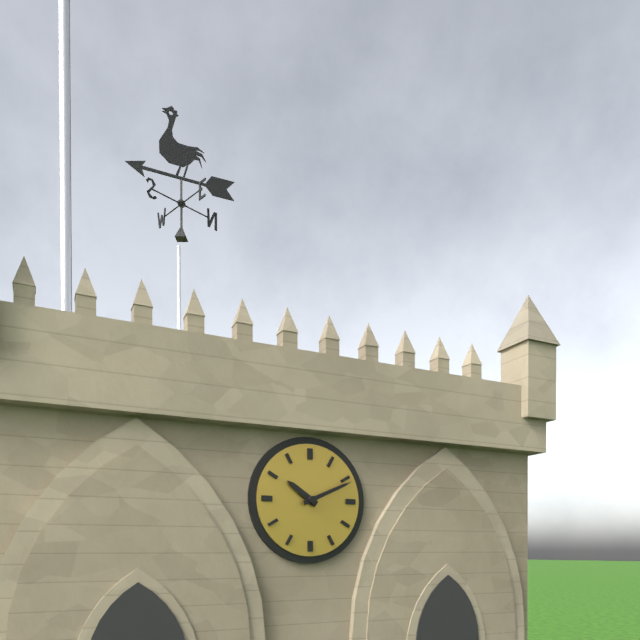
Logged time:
10:11
